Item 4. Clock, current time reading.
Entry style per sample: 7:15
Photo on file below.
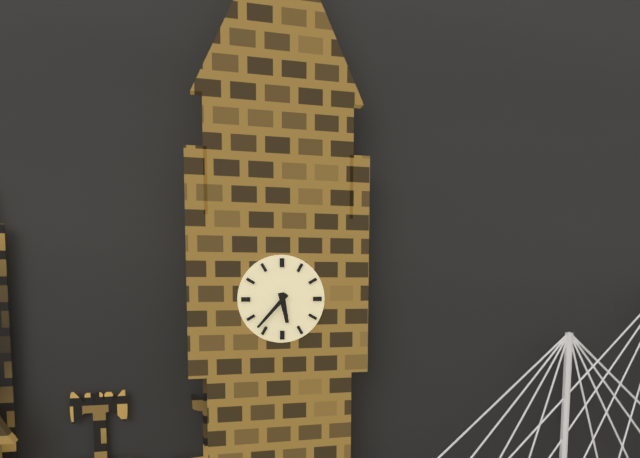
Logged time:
5:37
